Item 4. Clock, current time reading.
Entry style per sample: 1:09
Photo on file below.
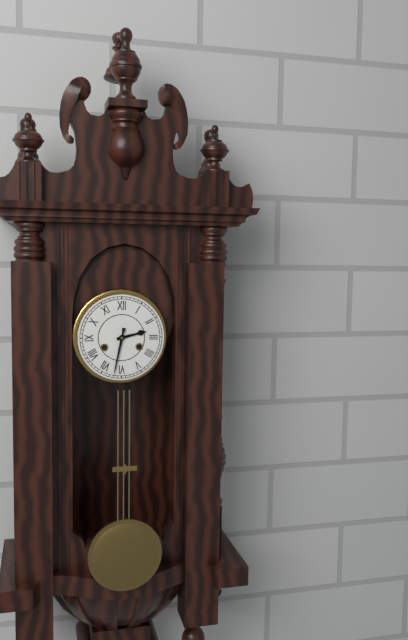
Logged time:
2:32
